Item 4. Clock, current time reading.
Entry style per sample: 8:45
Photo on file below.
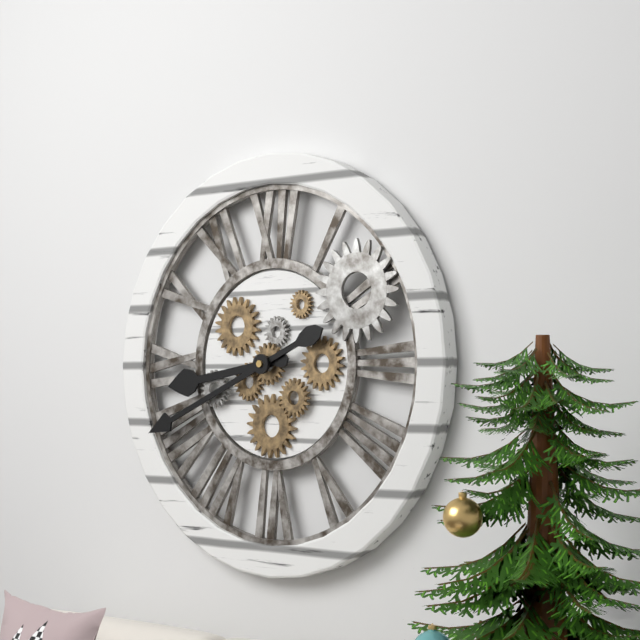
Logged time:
8:41
